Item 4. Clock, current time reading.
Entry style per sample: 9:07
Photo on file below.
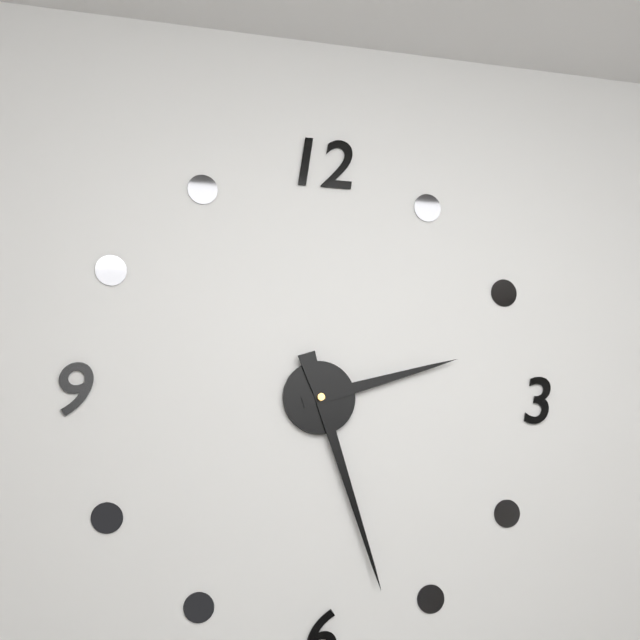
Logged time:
2:27
